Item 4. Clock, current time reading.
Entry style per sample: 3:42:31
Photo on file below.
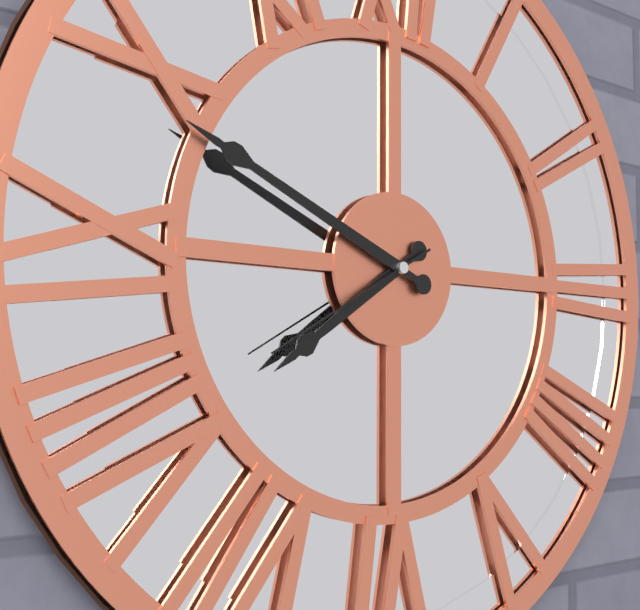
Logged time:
7:49:40
